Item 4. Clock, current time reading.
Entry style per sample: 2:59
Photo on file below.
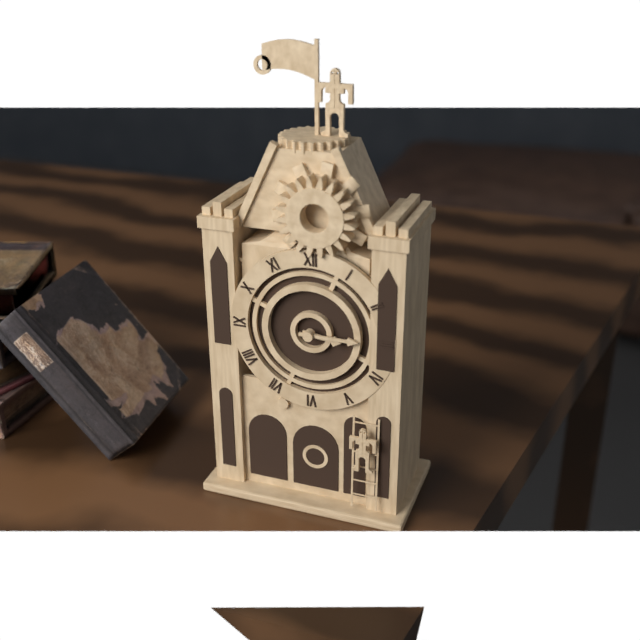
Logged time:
3:15
